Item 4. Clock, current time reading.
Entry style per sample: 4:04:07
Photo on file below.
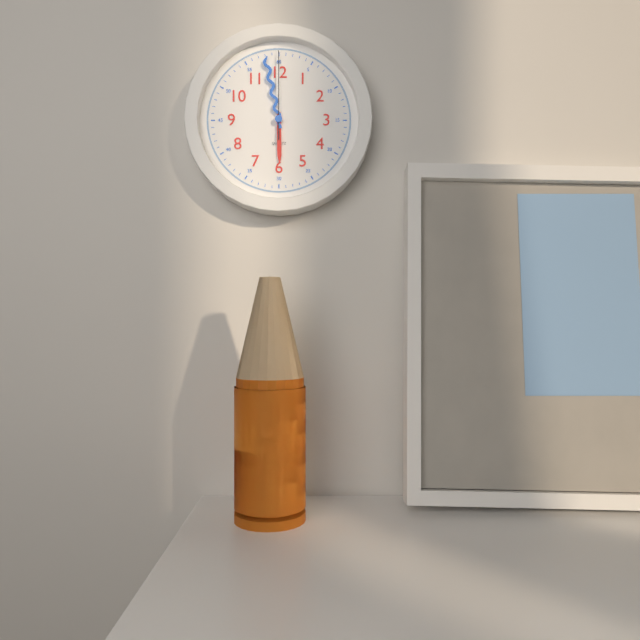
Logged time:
5:58:00
